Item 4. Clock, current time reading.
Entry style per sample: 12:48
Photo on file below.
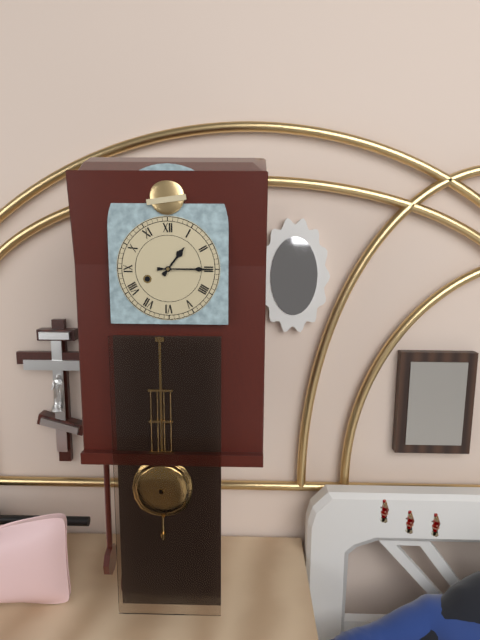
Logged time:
1:15
